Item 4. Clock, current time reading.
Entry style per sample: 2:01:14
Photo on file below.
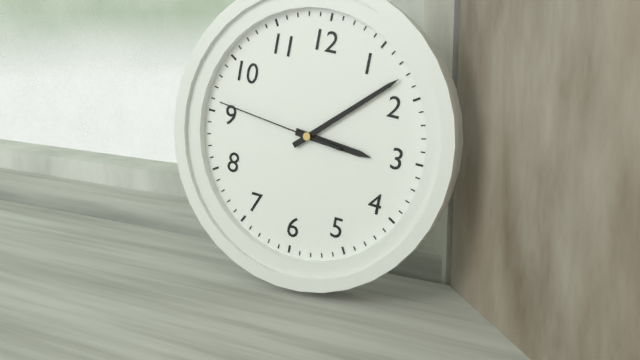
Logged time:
3:08:46
